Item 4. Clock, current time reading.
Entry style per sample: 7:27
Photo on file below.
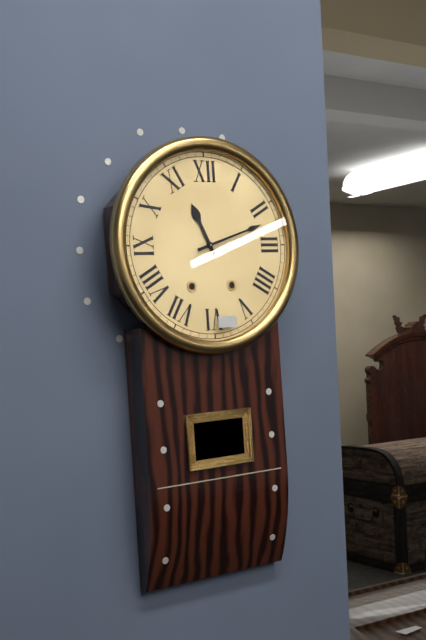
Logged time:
11:12
